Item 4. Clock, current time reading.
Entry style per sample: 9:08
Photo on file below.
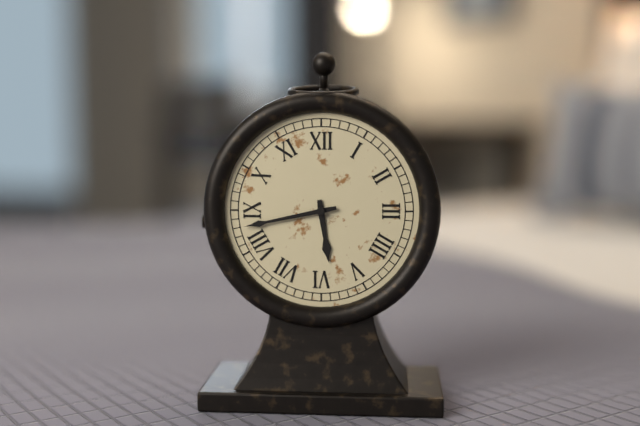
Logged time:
5:43
